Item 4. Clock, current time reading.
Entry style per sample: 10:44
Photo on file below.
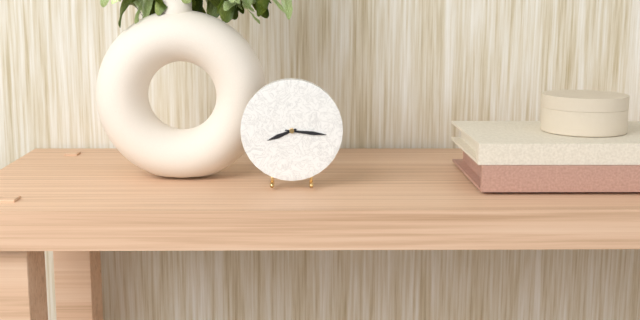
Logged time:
8:16
